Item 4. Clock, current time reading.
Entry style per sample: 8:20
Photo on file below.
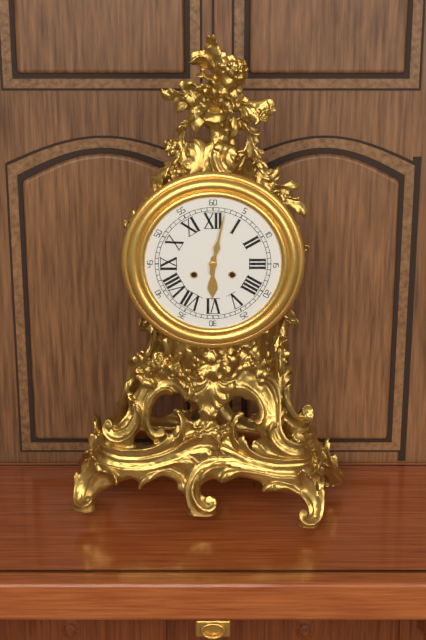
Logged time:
6:02
